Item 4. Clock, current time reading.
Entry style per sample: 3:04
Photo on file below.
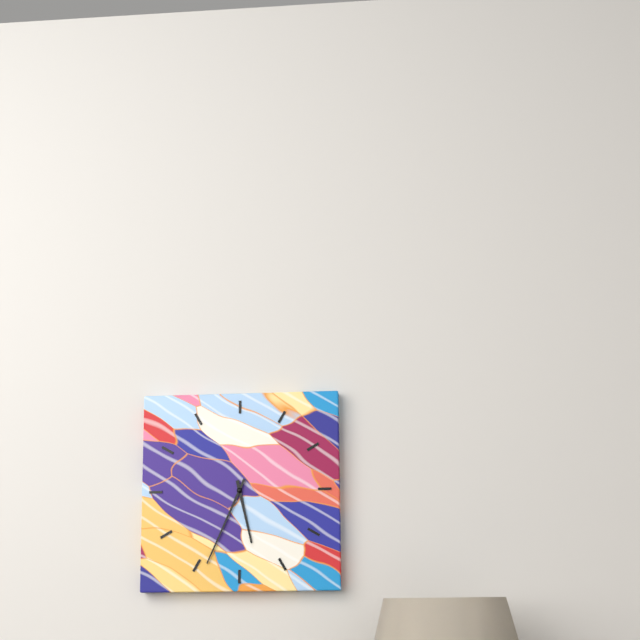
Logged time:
5:34
